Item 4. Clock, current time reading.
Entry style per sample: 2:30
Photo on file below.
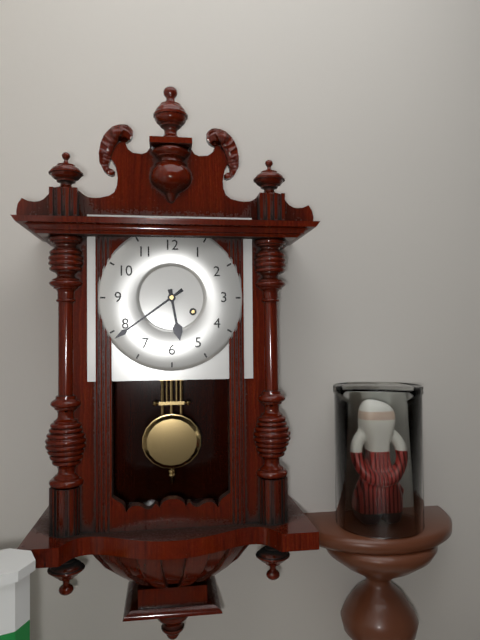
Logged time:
5:39
